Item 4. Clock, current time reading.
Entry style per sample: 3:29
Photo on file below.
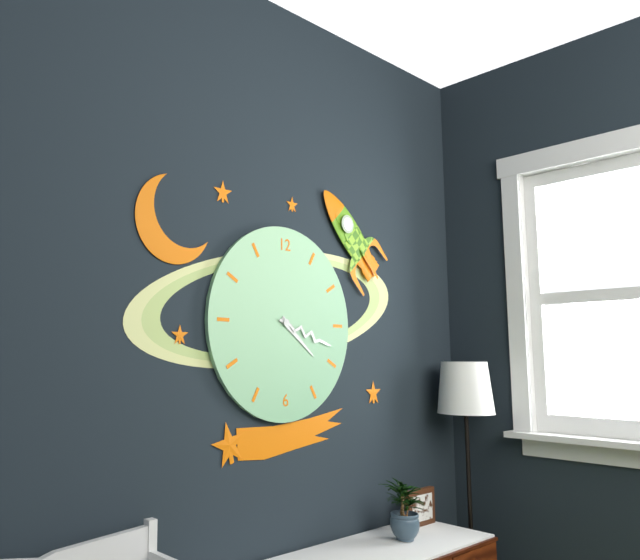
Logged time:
4:18
